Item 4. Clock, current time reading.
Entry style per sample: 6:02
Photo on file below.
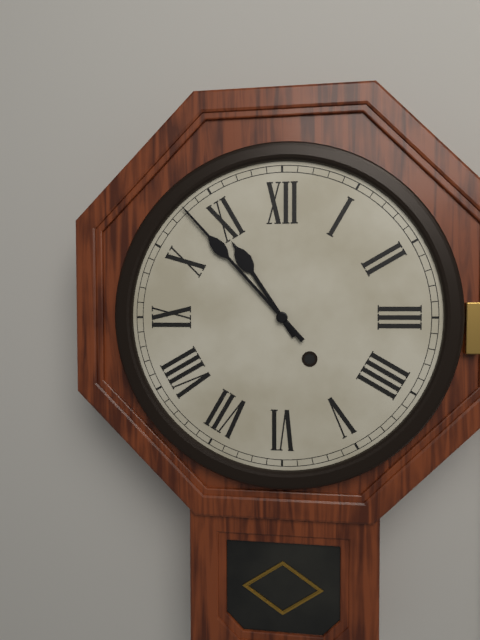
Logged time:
10:53
